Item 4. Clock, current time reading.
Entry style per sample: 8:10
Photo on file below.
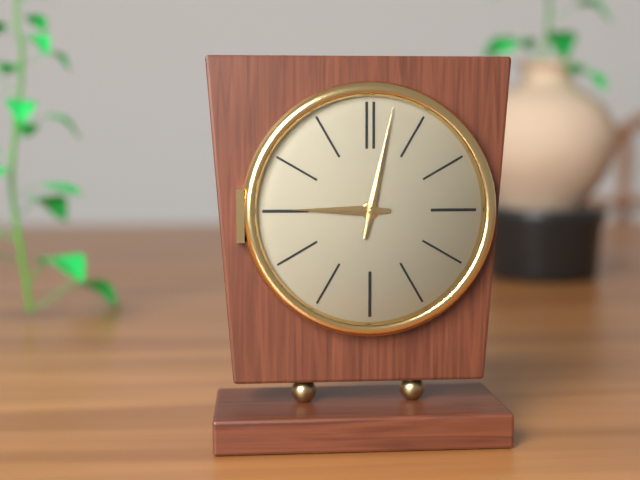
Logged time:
9:02
